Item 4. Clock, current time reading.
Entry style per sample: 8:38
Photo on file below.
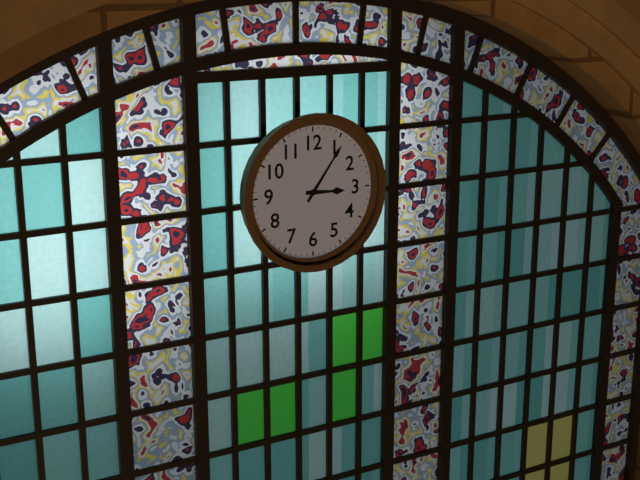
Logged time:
3:06
